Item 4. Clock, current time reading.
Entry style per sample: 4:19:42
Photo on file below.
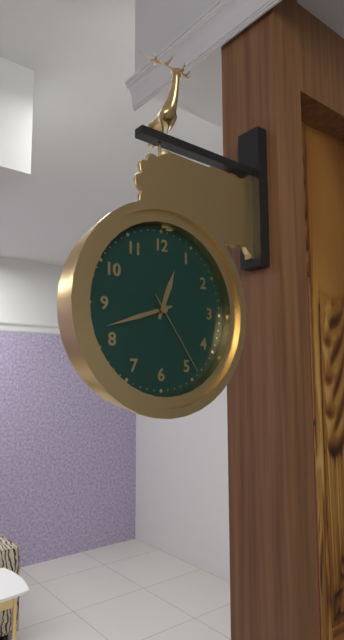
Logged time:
12:42:24
